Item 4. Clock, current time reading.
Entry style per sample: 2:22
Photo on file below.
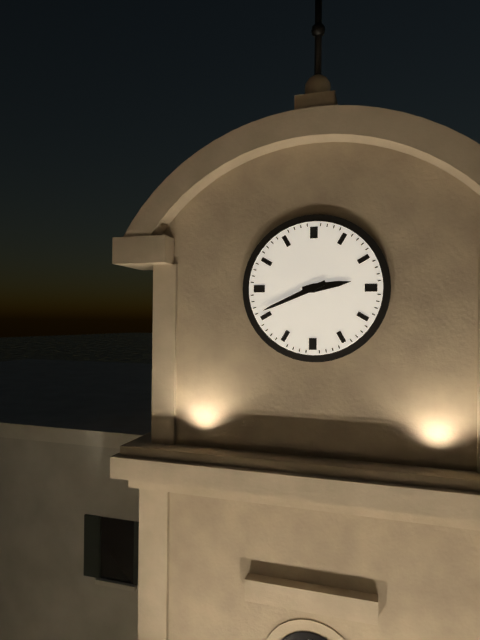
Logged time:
2:41
